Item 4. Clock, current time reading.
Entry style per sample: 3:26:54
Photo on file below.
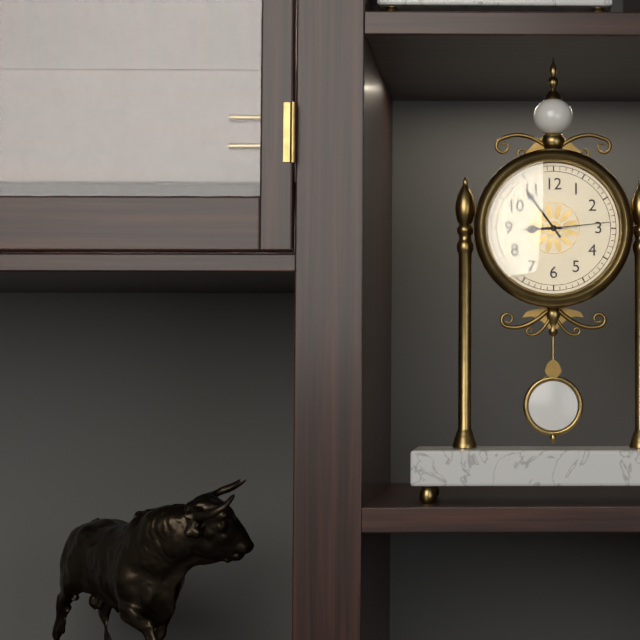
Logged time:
8:54:14
